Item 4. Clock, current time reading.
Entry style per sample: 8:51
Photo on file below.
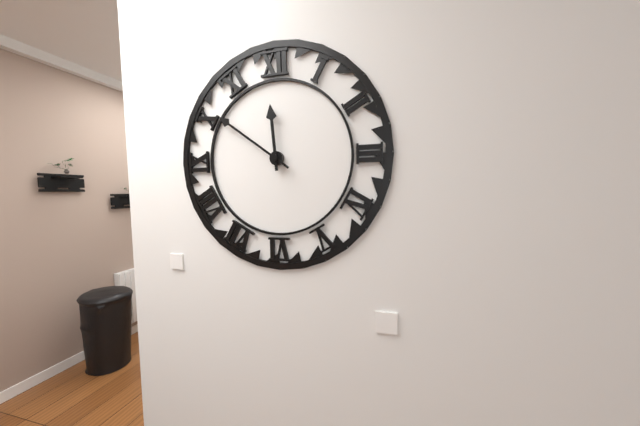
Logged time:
11:51
